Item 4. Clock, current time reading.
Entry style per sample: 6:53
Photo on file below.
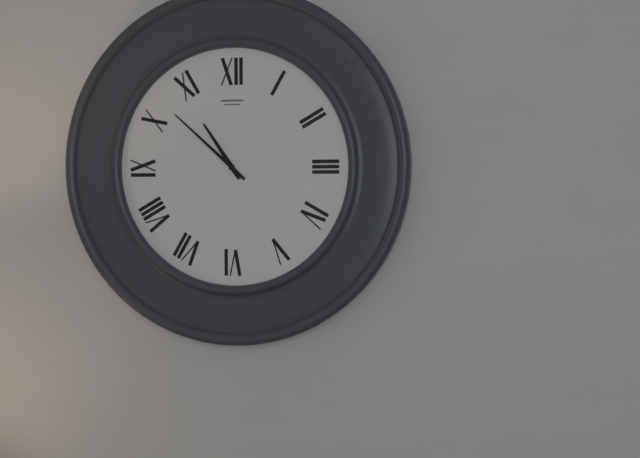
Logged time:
10:52
